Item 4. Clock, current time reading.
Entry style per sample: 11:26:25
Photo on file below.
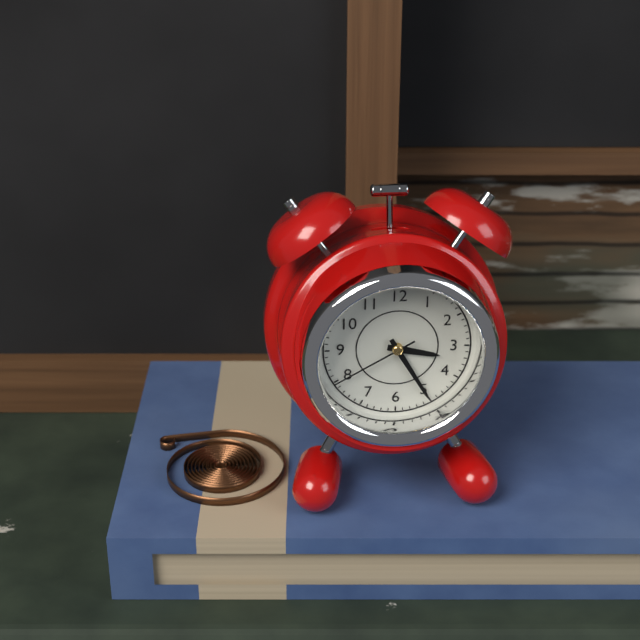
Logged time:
3:25:40
